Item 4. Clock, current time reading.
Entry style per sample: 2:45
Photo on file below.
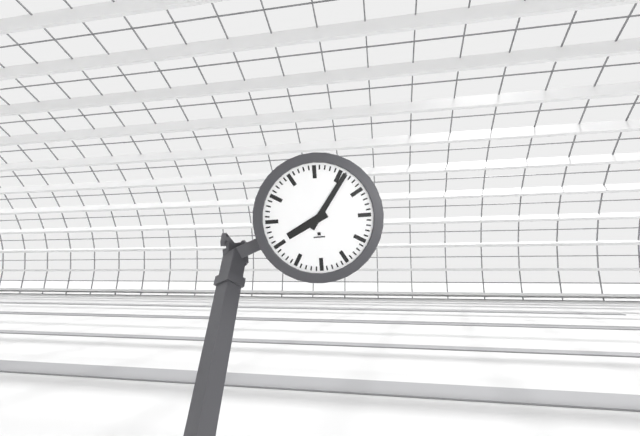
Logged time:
8:06
